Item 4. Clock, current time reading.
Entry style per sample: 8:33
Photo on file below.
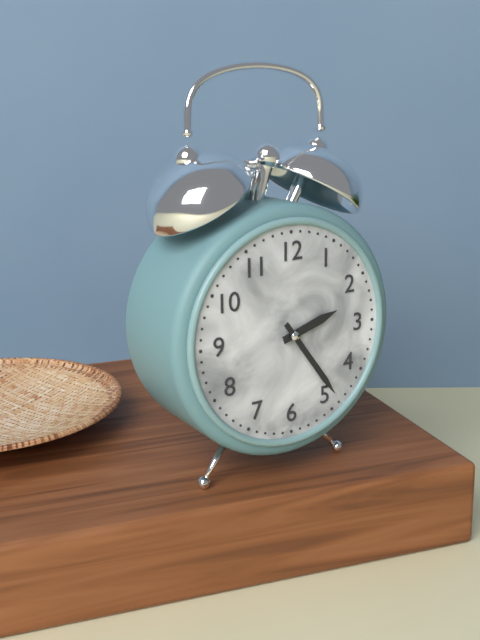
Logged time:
2:24
